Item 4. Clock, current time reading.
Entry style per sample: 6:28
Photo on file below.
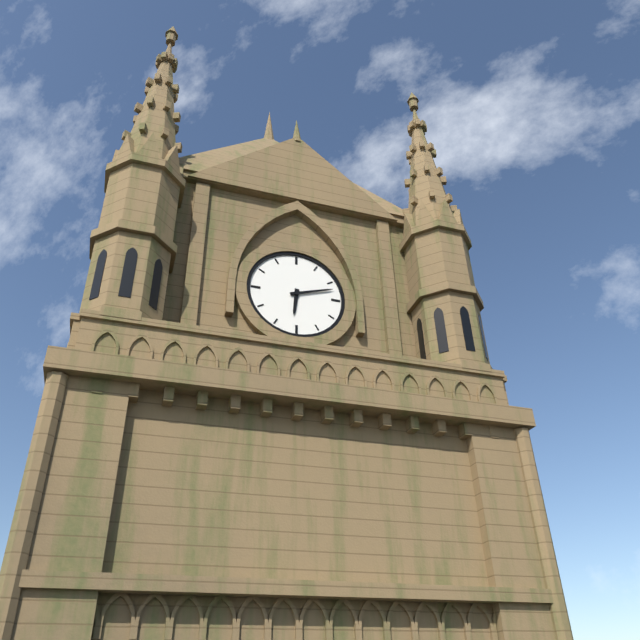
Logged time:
6:12
